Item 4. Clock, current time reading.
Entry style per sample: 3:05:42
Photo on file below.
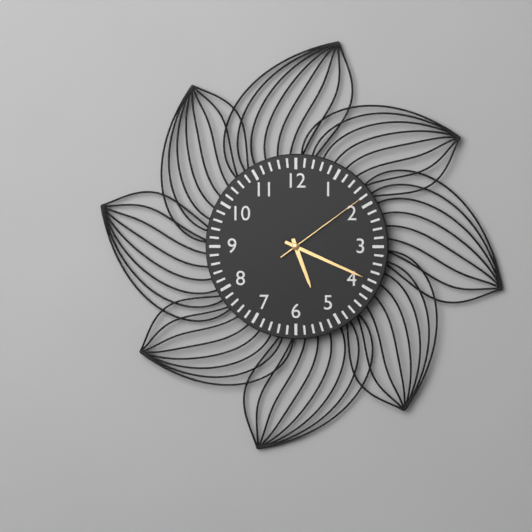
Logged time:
5:19:09
